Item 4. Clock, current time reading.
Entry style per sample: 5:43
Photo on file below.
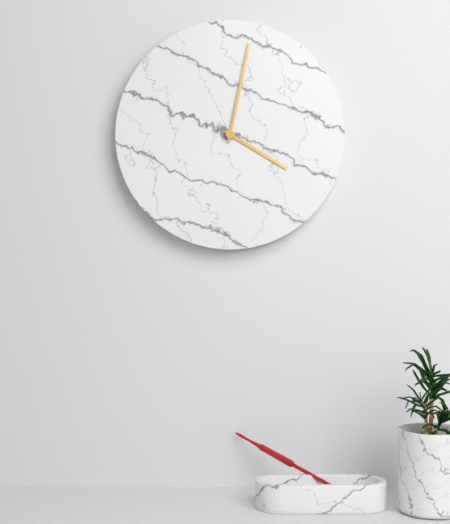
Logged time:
4:02
